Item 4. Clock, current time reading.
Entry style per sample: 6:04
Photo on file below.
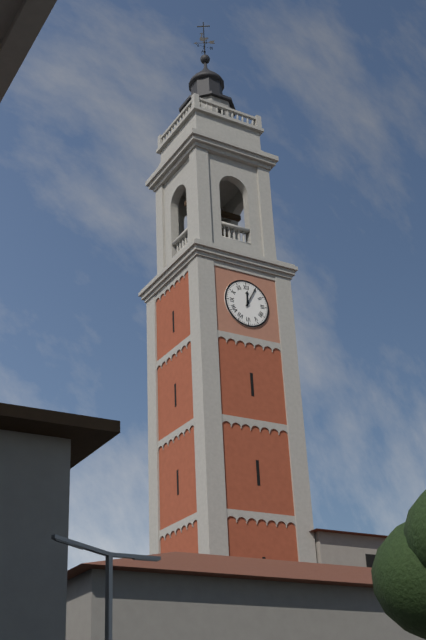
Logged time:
12:05
